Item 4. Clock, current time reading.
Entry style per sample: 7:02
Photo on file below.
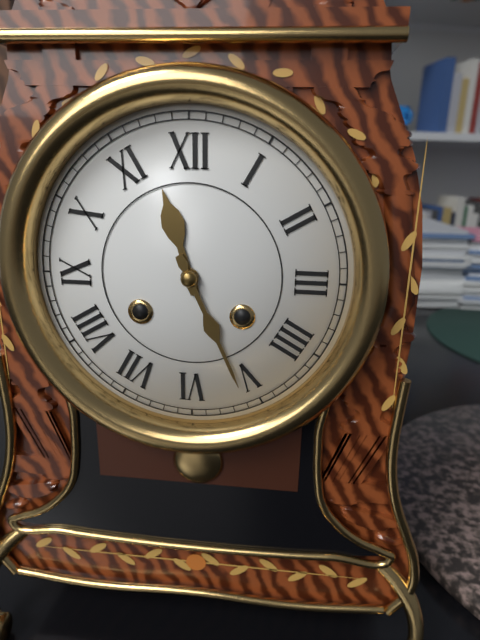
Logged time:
11:26
